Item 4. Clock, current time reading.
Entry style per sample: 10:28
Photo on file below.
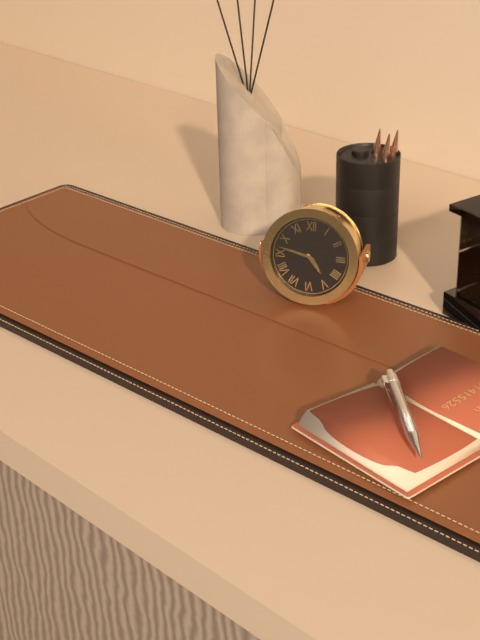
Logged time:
4:47
